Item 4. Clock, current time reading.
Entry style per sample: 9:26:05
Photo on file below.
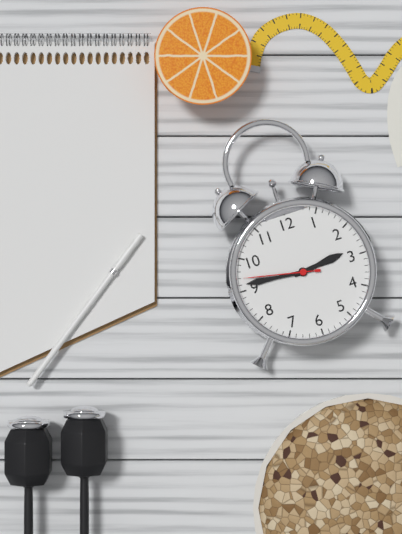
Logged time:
2:46:47
